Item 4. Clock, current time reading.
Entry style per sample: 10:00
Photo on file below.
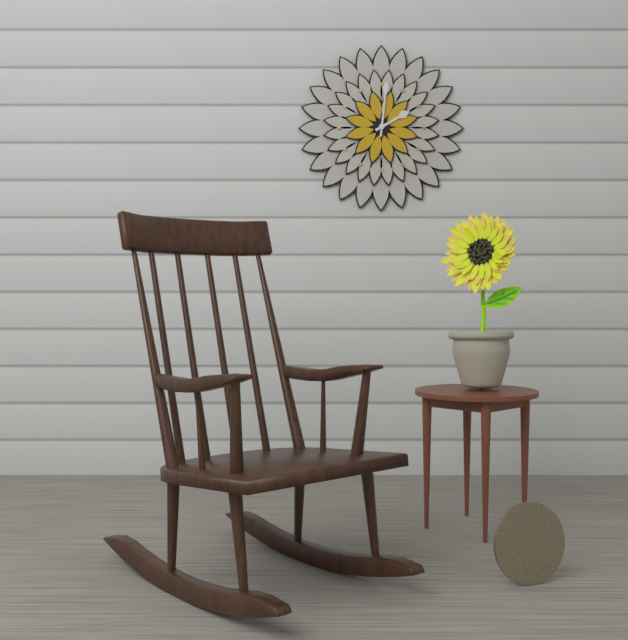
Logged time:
2:01
